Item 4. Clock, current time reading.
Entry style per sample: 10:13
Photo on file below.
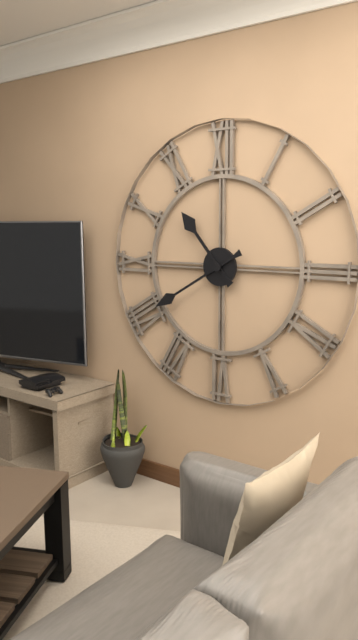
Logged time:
10:40
